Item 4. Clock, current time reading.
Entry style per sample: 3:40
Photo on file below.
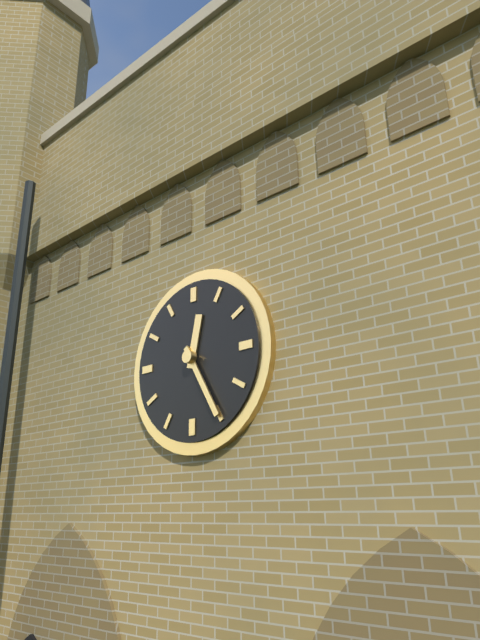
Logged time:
12:25
